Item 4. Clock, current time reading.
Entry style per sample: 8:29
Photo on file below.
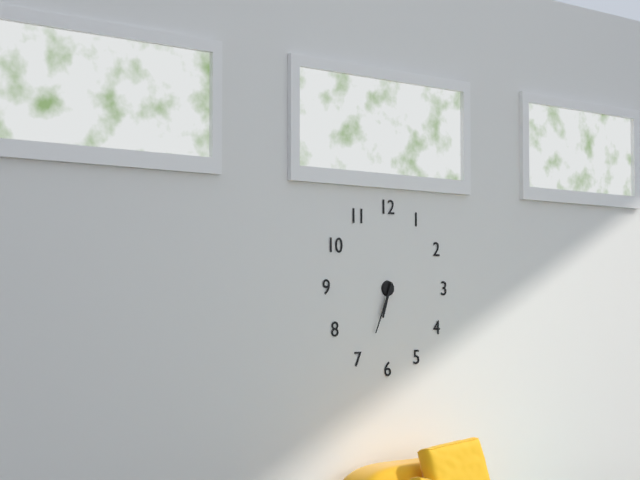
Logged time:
6:34
